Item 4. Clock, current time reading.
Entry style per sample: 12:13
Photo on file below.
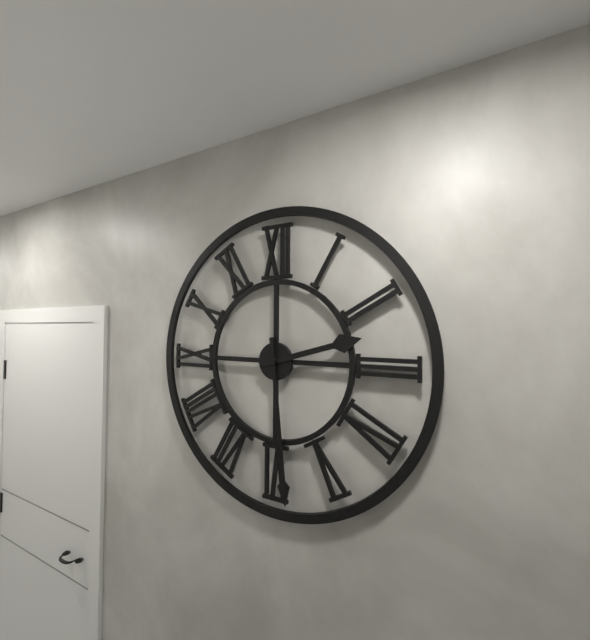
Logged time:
2:29
